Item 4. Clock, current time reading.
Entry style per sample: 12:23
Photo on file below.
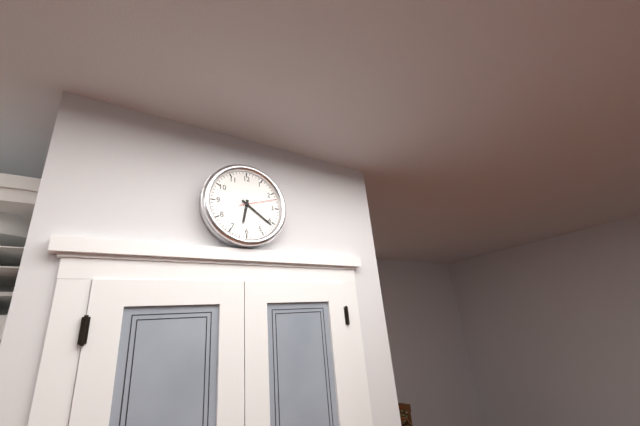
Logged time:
6:21
